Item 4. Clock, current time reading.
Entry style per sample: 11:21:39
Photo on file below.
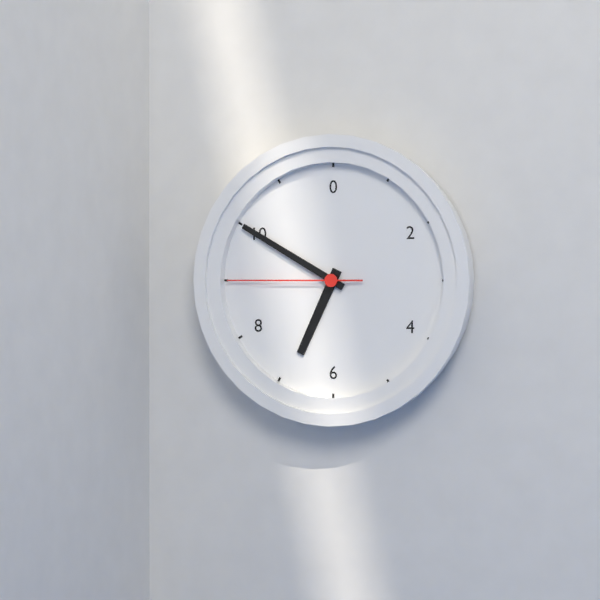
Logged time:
6:50:45
